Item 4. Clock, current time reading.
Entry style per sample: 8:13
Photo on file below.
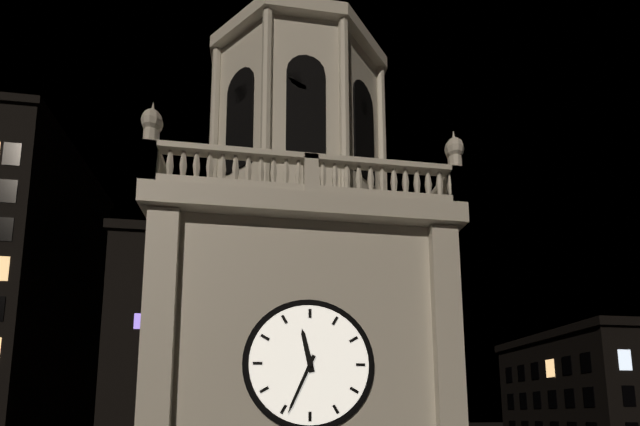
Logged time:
11:34
